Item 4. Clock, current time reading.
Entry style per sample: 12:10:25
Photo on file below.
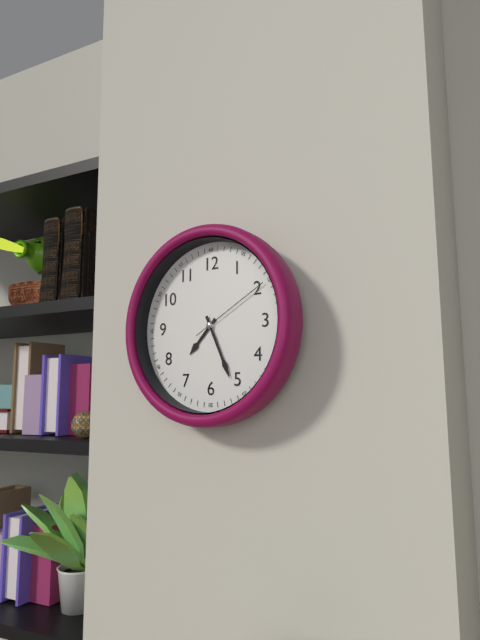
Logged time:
7:26:10
